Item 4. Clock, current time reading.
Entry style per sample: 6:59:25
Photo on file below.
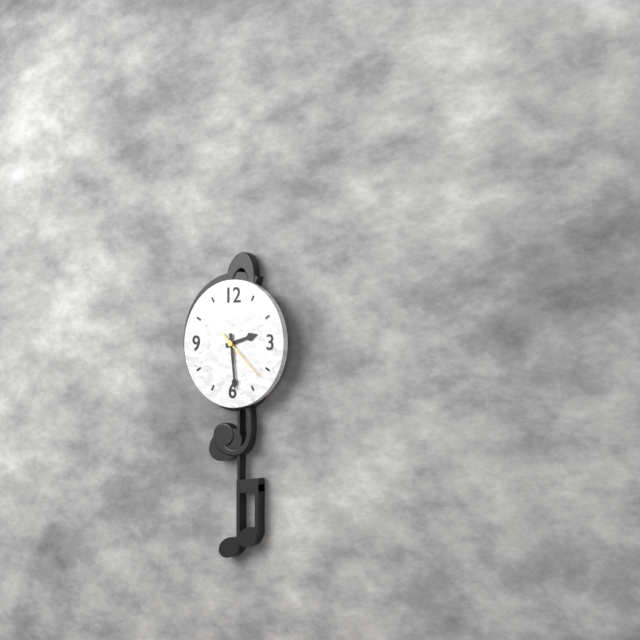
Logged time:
2:29:22
